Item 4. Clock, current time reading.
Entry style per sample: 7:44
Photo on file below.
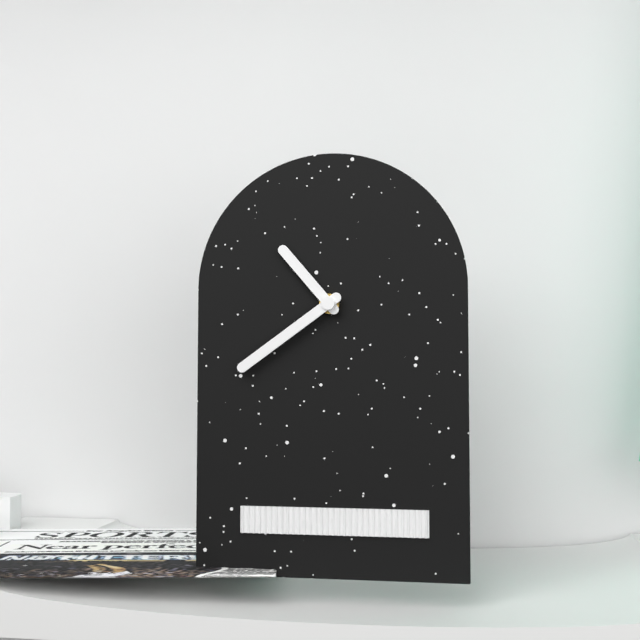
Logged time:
10:39
